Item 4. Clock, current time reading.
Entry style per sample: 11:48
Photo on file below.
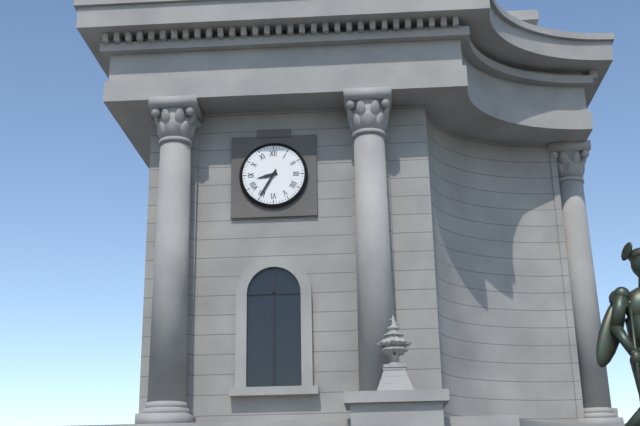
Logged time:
8:35
